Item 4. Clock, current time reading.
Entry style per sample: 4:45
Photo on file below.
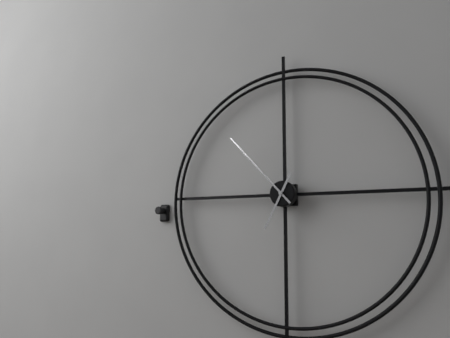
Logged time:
6:53
